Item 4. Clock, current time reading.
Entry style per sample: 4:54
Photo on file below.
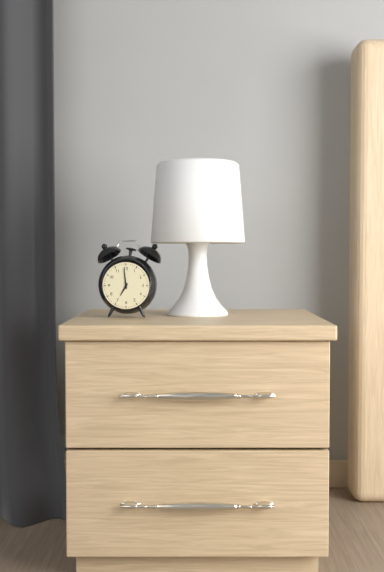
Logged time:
6:59
